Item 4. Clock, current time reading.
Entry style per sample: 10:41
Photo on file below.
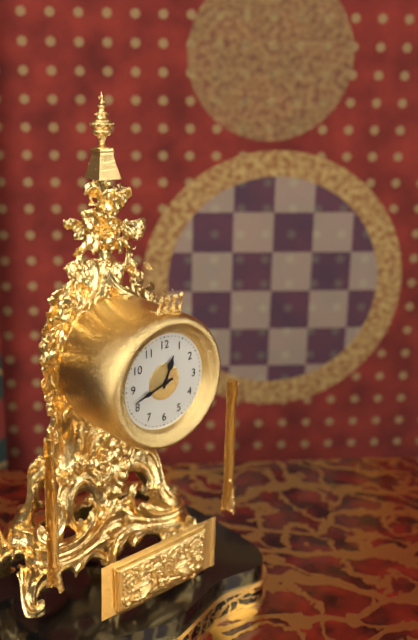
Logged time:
12:42
